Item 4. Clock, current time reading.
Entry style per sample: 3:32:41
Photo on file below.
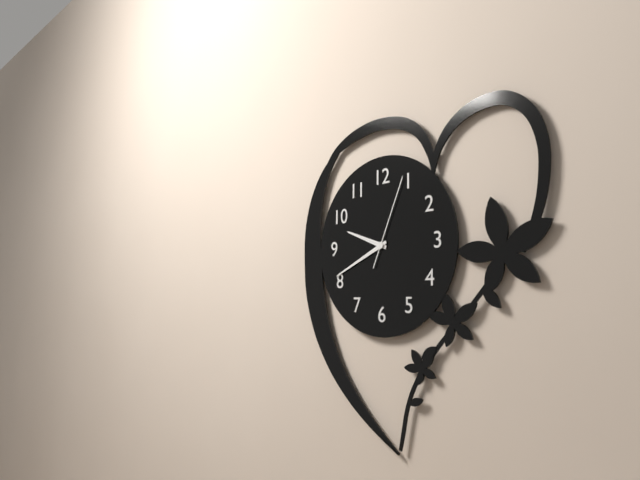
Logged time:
9:41:04
